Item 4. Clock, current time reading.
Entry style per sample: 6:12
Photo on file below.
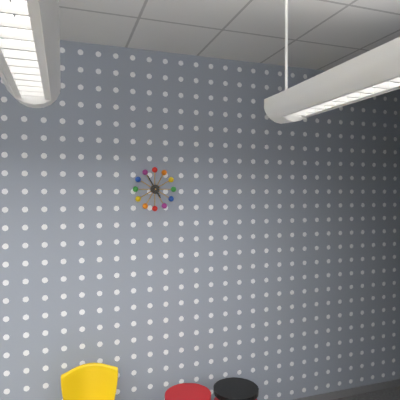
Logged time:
4:55
